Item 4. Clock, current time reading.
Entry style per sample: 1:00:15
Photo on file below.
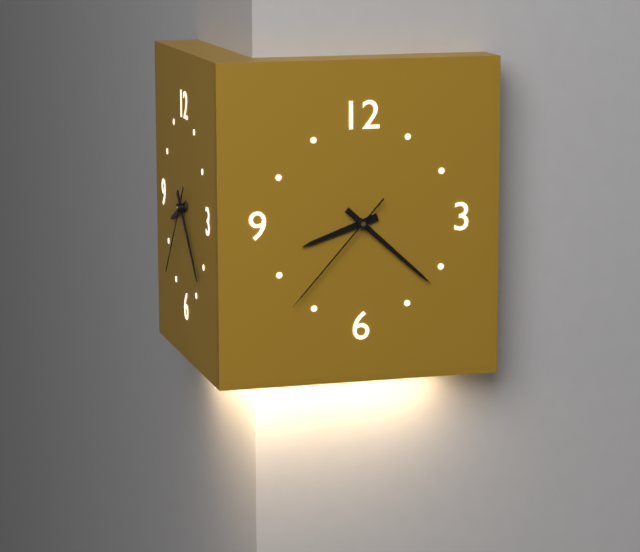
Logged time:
8:22:37
